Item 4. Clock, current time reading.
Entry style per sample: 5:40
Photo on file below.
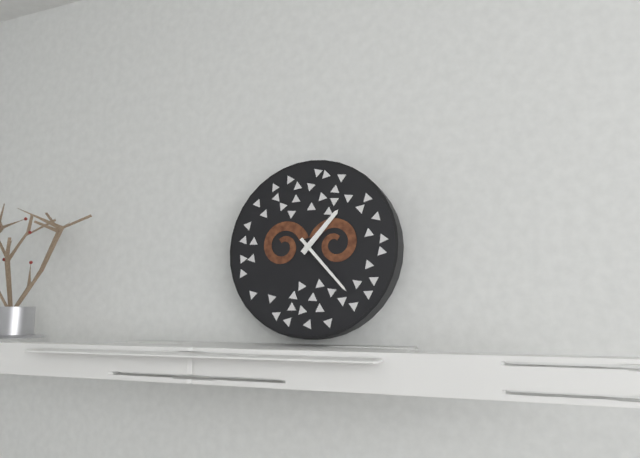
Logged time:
1:23
